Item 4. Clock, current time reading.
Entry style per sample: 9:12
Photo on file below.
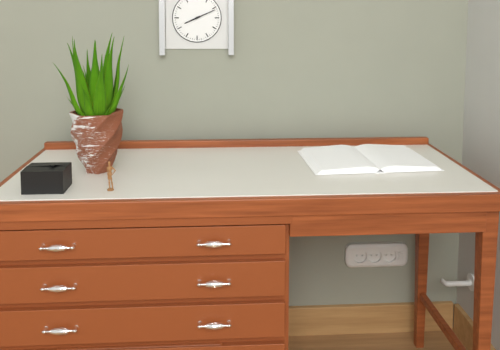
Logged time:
8:11
